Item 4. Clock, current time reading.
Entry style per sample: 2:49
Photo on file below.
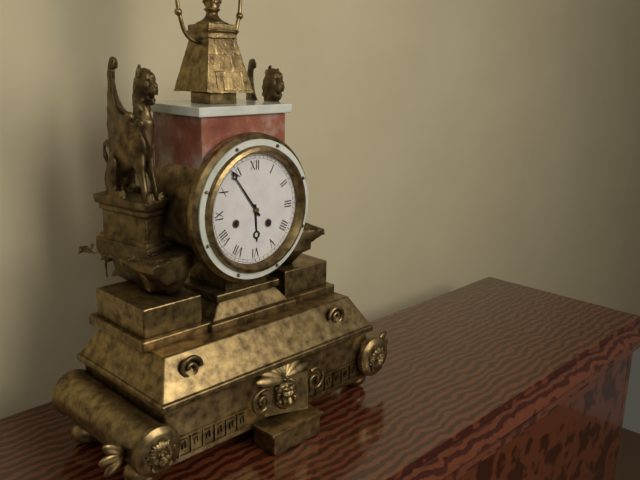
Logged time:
5:54
